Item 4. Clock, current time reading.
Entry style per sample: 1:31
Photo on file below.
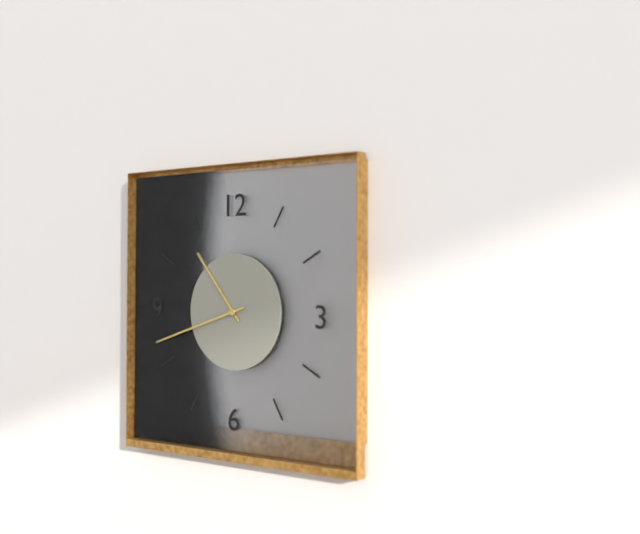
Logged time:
10:42
